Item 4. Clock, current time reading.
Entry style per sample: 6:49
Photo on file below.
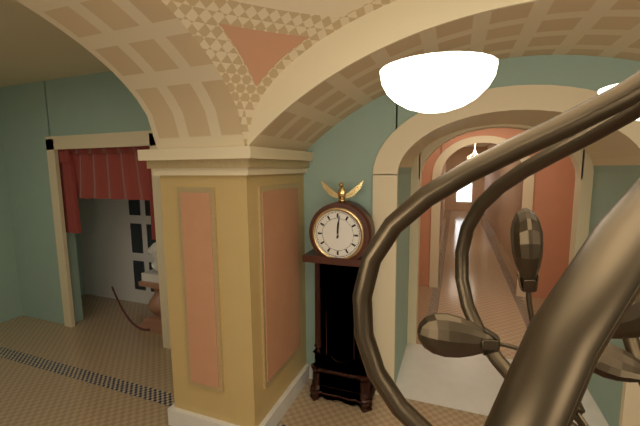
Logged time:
12:01
